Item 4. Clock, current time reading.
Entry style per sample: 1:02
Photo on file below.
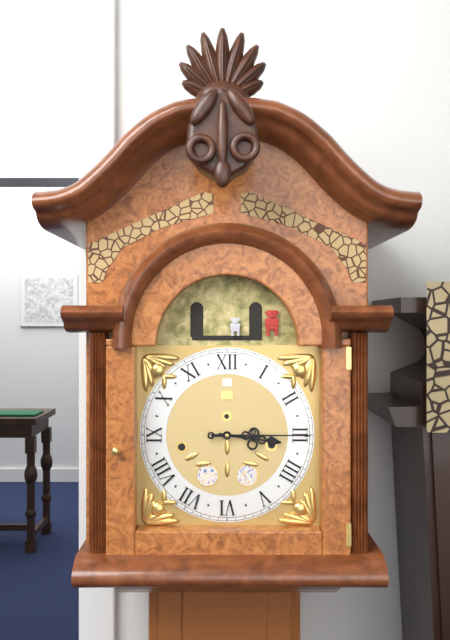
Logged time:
3:15
